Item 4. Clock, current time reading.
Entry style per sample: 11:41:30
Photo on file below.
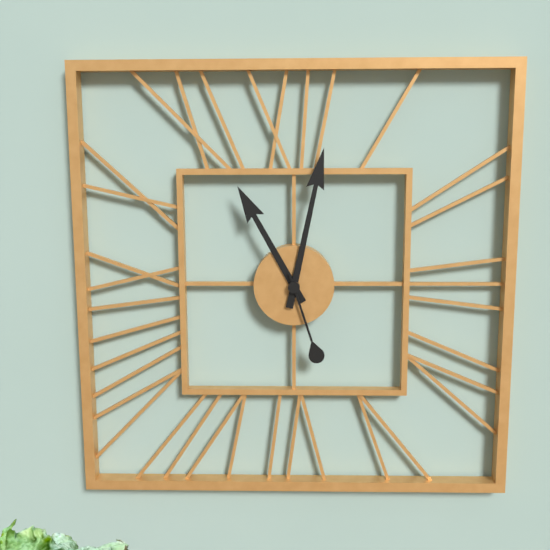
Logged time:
11:02:27
